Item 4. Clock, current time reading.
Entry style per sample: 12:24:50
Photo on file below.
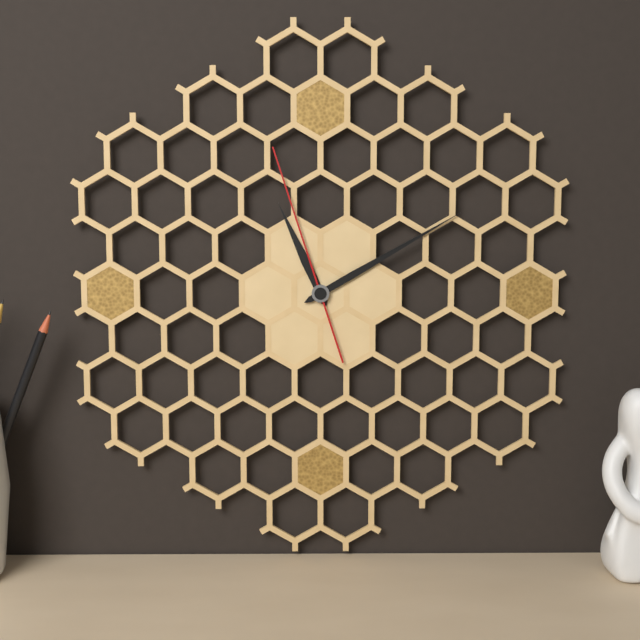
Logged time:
11:10:57
